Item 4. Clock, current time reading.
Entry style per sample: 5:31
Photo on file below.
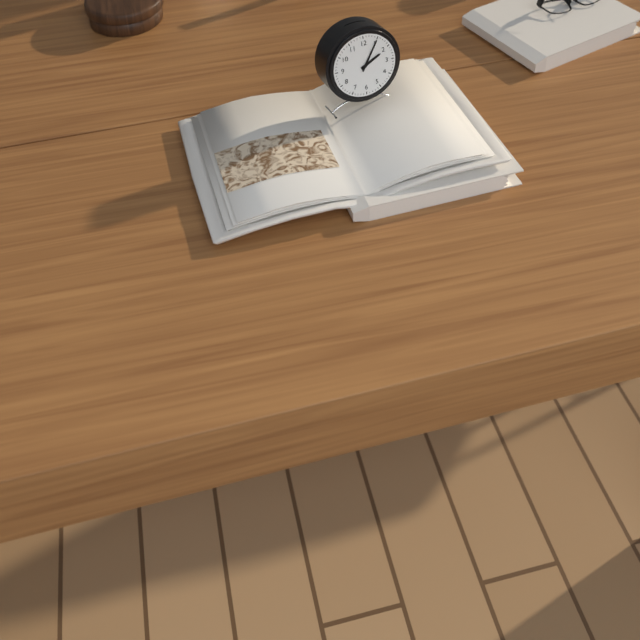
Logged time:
2:05
